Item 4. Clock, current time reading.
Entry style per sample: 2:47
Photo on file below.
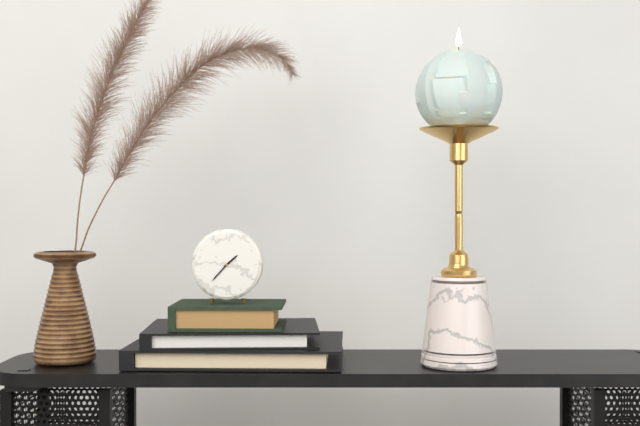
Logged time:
1:37
